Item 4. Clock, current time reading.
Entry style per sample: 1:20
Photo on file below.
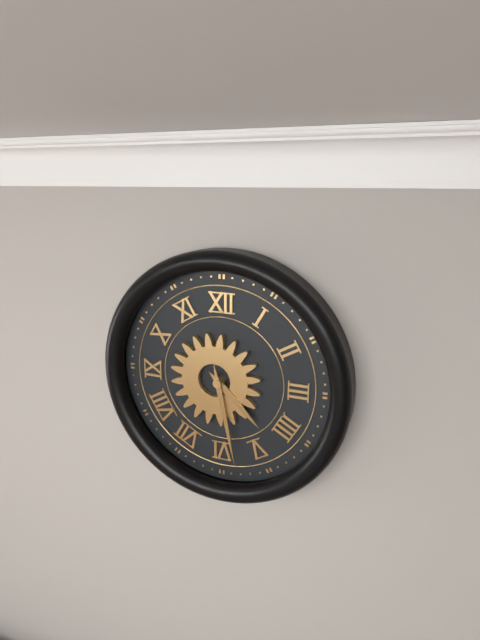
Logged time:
4:28
